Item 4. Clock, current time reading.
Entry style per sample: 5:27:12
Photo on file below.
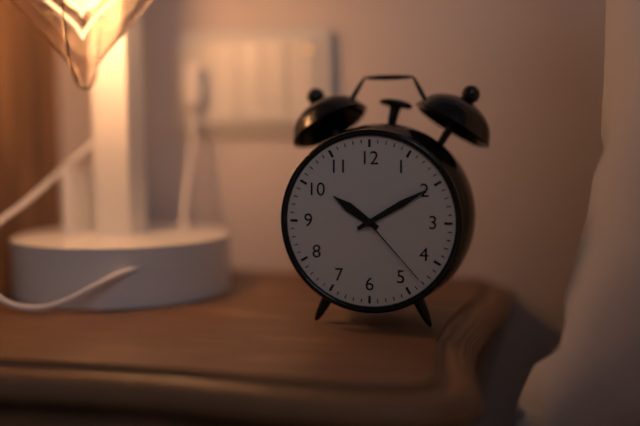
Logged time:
10:10:23
